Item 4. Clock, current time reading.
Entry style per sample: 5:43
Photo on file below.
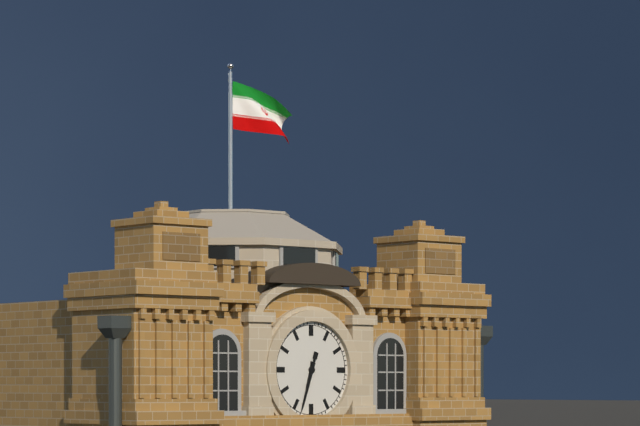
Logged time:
6:33
